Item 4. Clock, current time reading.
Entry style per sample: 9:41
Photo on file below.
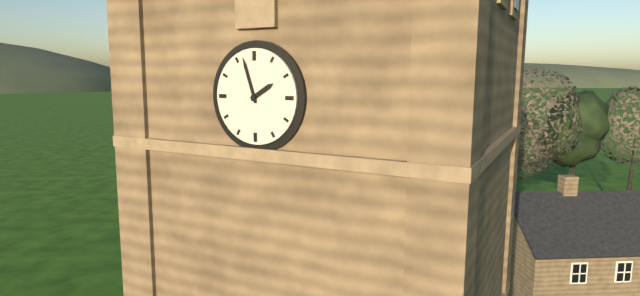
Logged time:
1:57
